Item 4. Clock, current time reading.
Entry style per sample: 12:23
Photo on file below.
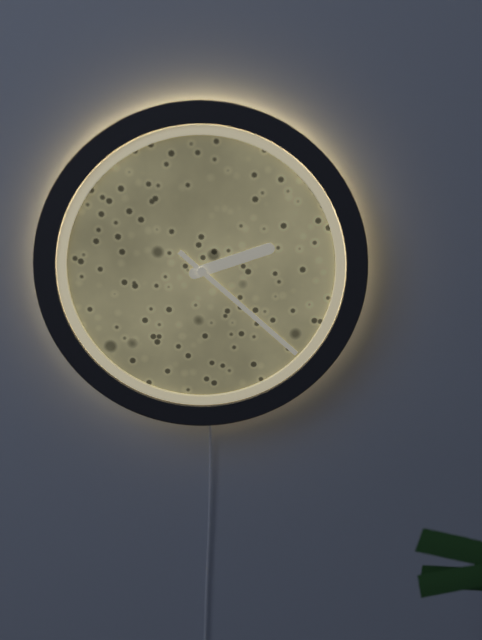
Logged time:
2:22
